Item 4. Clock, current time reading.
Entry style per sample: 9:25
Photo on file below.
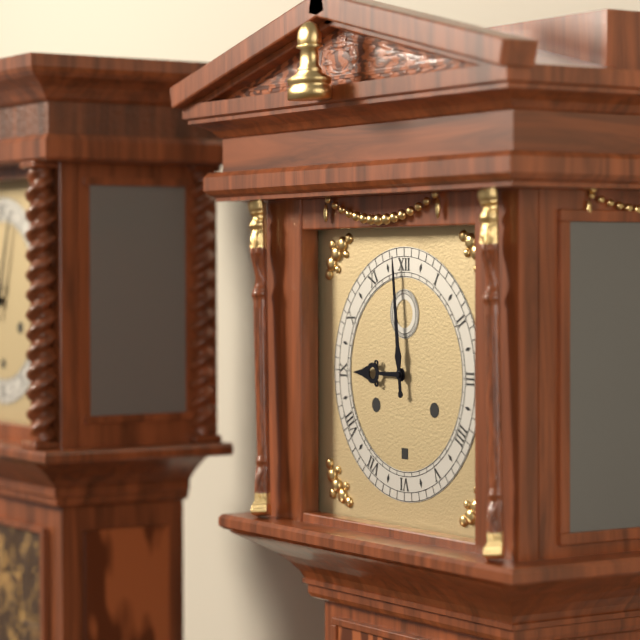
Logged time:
8:59
